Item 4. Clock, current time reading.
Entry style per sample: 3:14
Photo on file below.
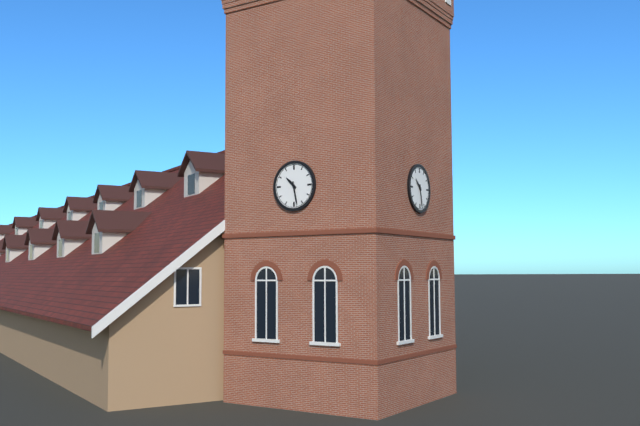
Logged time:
10:28
